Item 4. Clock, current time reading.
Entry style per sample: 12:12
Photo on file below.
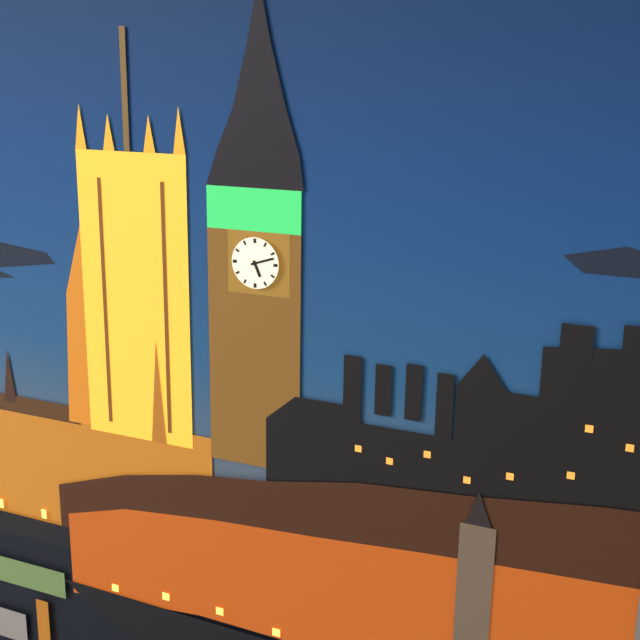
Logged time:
5:12
